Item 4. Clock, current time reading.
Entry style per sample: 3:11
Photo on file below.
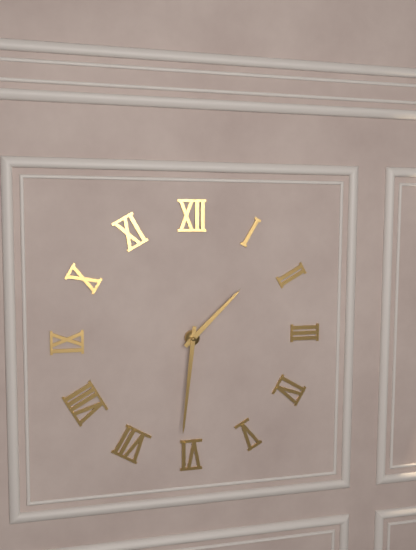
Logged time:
1:31
